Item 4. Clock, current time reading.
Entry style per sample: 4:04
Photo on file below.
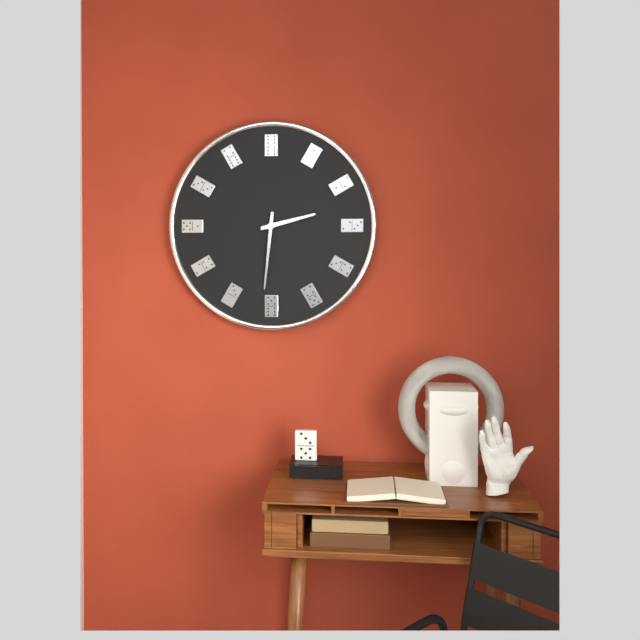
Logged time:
2:31
